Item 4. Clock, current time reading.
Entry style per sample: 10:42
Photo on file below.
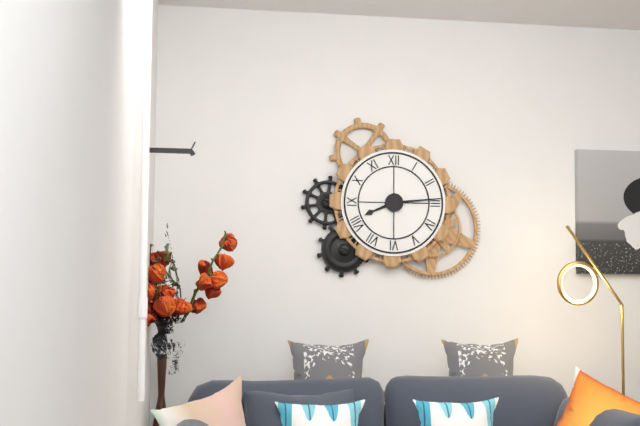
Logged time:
8:14
